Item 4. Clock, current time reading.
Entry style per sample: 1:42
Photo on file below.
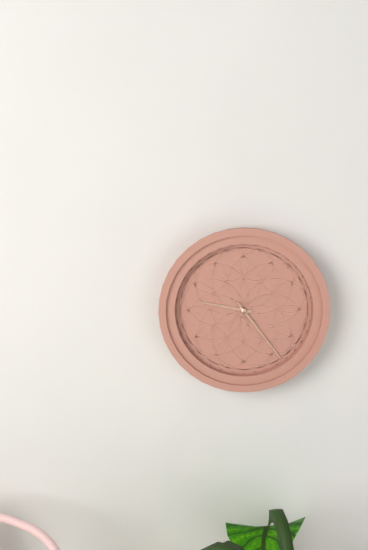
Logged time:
9:24
